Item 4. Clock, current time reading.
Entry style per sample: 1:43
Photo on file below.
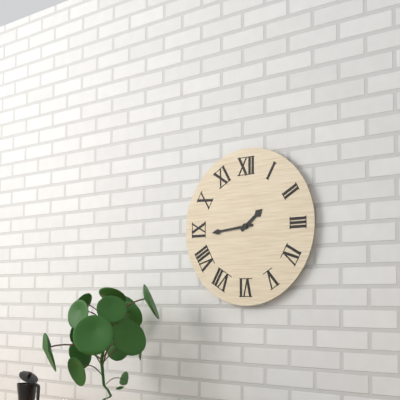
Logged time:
1:44
